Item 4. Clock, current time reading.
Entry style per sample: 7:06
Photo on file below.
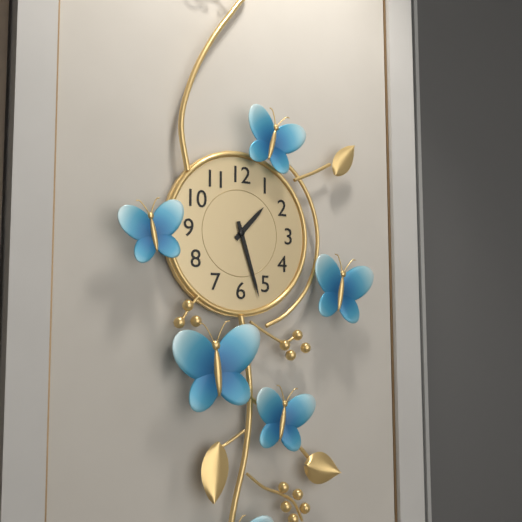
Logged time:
1:27
